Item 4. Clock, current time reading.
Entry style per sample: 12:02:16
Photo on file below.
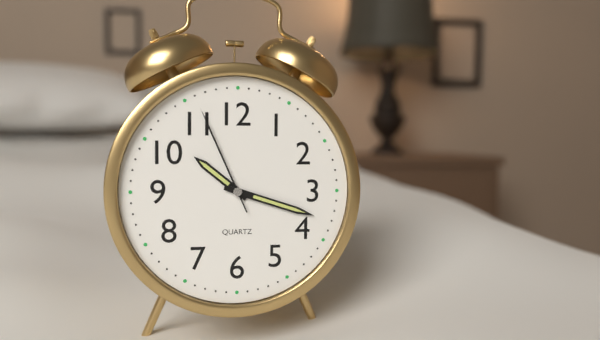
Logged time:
10:18:56
